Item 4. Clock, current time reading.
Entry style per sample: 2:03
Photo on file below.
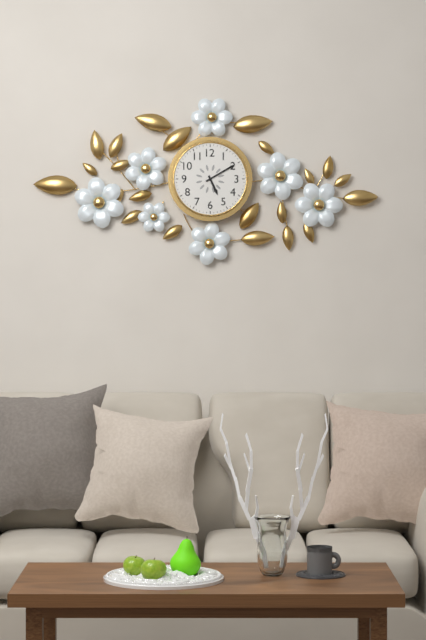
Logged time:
5:10
